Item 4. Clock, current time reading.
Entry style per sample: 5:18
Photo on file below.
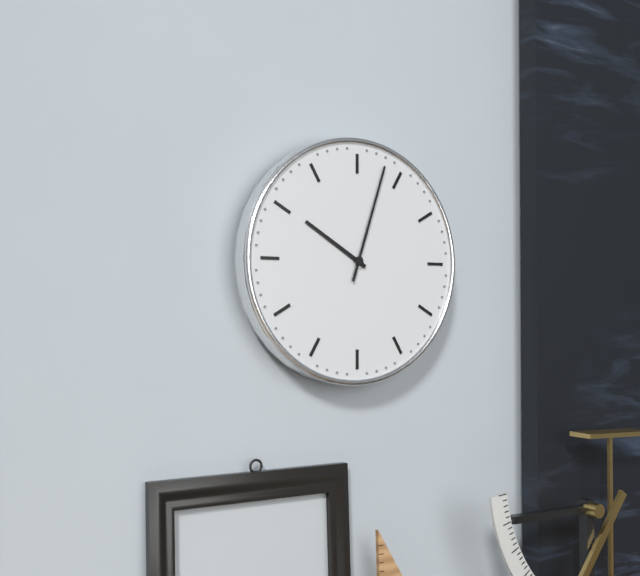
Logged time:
10:03
